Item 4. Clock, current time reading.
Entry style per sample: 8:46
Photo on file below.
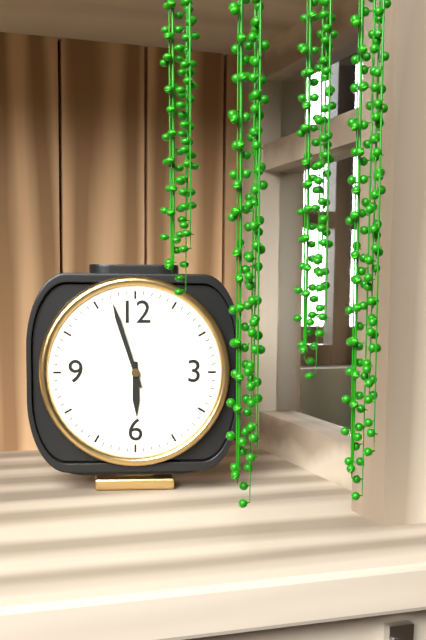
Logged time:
5:57
